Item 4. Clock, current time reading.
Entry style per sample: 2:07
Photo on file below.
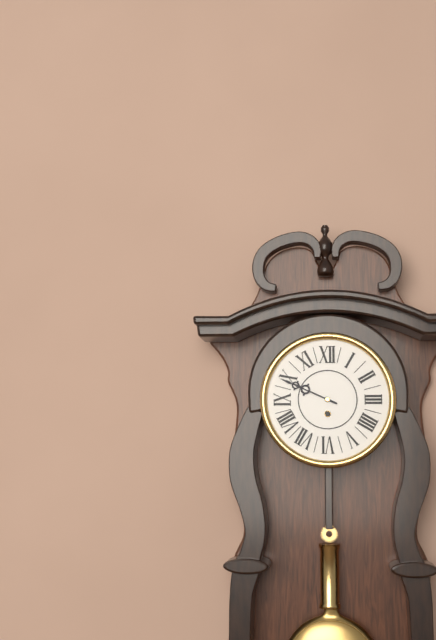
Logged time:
9:49
